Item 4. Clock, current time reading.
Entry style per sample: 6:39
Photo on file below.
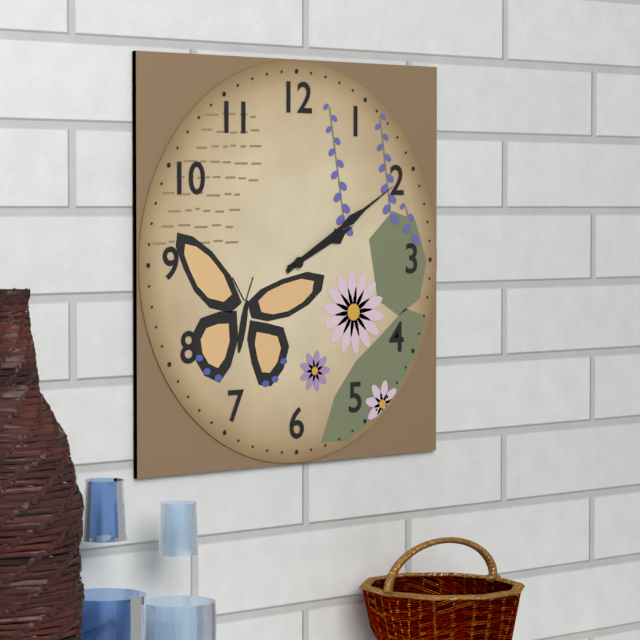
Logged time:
2:10
